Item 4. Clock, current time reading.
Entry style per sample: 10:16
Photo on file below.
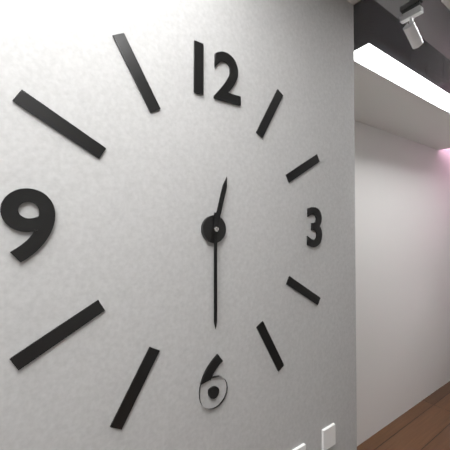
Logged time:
12:30
